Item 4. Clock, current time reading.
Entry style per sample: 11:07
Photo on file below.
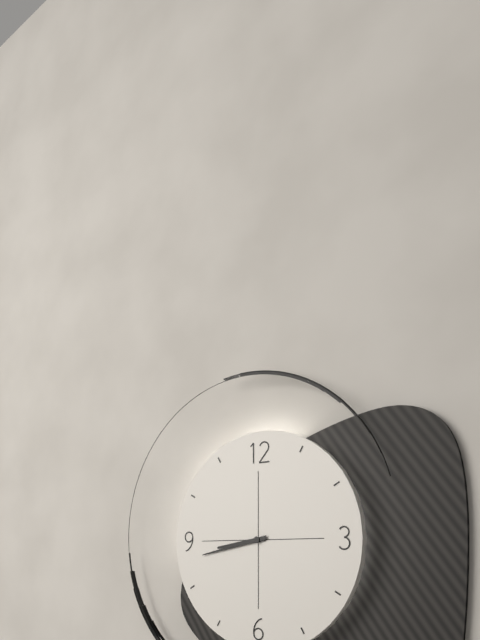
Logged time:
8:43
